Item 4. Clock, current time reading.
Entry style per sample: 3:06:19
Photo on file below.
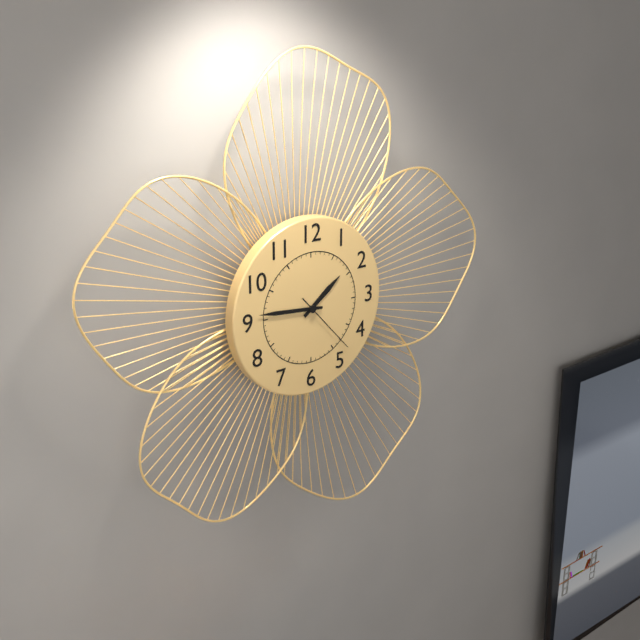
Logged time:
1:46:23
